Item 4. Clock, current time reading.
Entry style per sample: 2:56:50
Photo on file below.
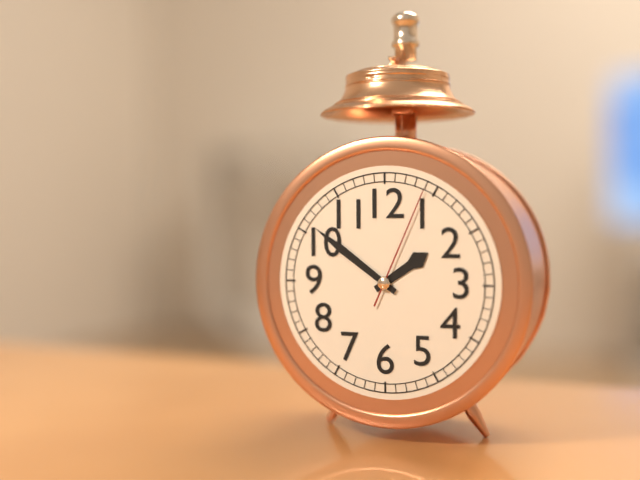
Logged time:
1:51:04
